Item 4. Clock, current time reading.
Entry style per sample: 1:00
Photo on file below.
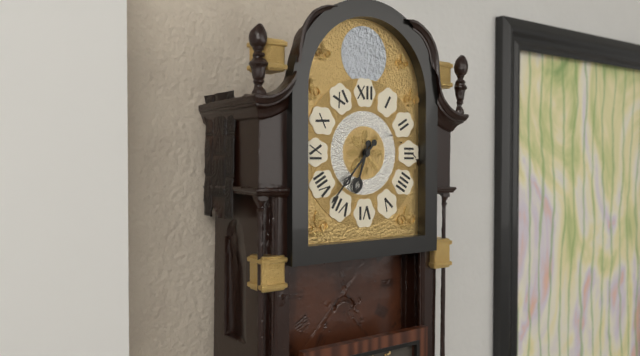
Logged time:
6:37
